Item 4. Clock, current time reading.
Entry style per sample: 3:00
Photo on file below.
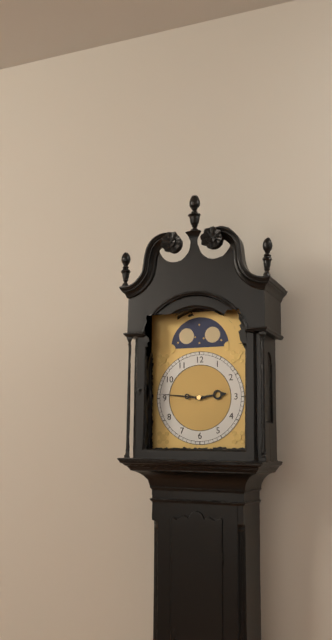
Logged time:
2:46
